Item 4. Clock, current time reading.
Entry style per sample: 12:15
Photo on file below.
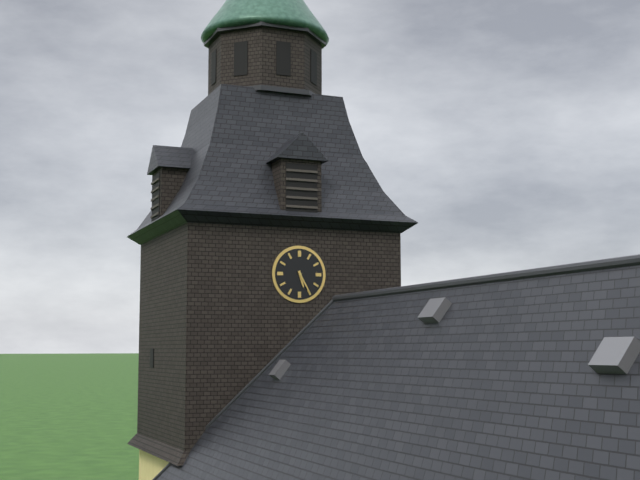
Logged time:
5:25
